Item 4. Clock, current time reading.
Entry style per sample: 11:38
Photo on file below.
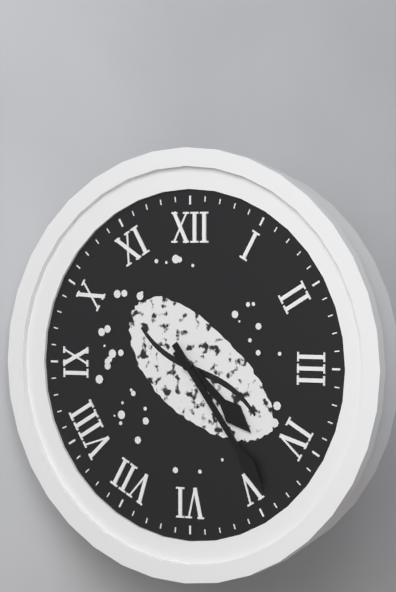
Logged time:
4:24
